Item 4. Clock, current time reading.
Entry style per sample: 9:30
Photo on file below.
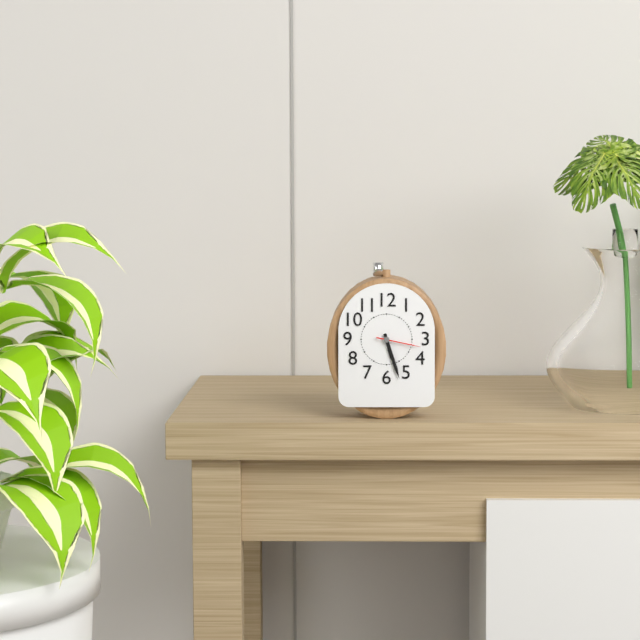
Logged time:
5:27
